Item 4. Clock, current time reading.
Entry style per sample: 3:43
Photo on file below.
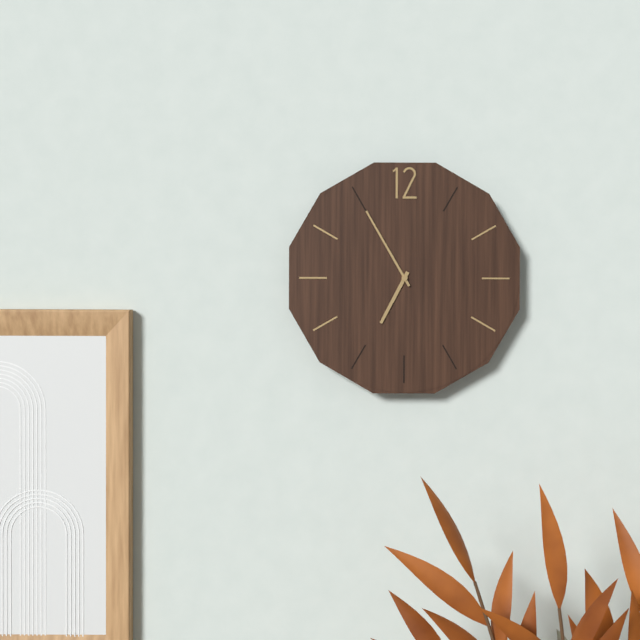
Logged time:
6:55
